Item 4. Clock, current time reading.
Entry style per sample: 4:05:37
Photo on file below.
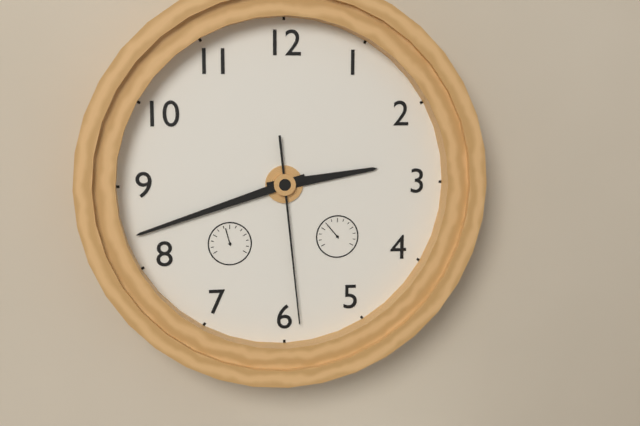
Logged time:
2:42:29
